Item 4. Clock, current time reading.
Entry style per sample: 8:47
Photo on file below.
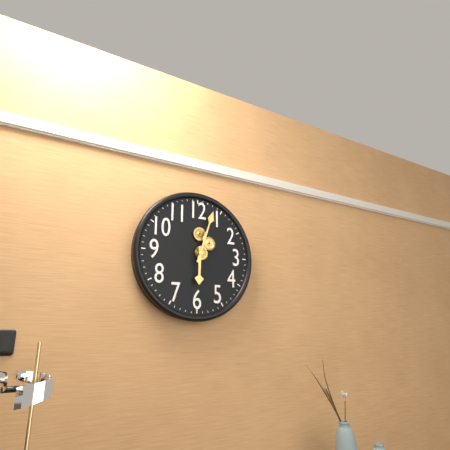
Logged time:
6:03
